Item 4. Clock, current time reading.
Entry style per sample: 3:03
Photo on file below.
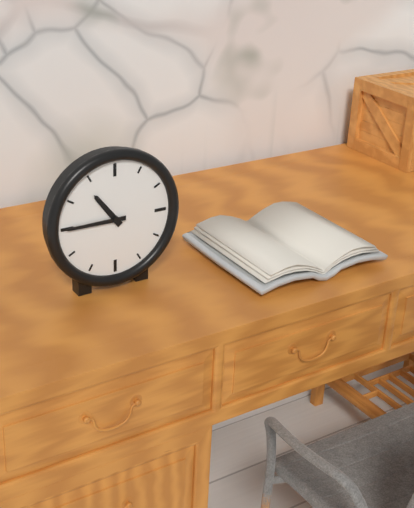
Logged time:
10:45
